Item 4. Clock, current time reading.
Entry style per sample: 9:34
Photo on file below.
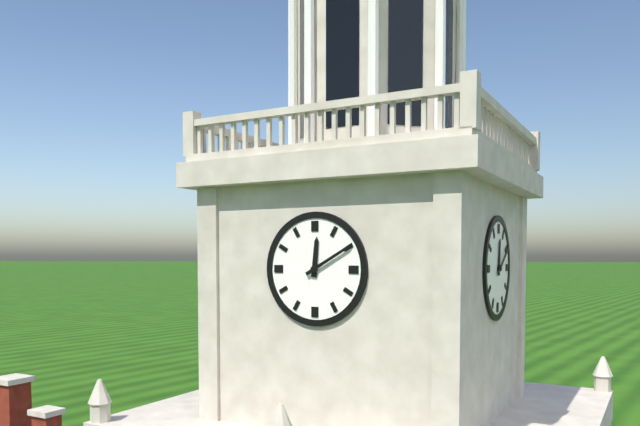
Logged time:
12:10
